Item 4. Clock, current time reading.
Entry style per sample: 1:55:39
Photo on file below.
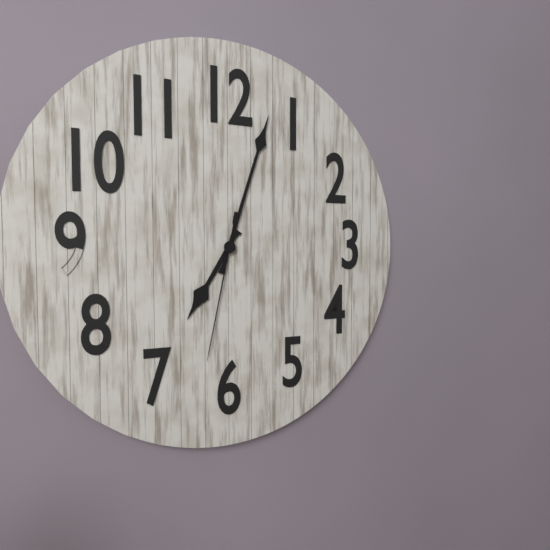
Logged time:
7:03:32
